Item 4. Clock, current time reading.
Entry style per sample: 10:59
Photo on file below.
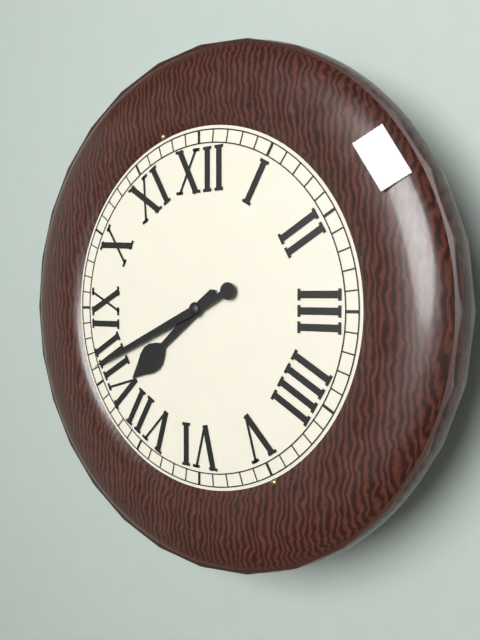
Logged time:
7:41
